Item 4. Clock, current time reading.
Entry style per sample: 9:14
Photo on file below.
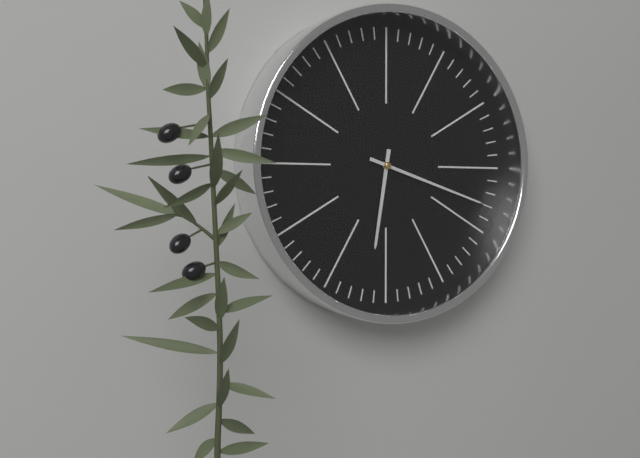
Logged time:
6:18
